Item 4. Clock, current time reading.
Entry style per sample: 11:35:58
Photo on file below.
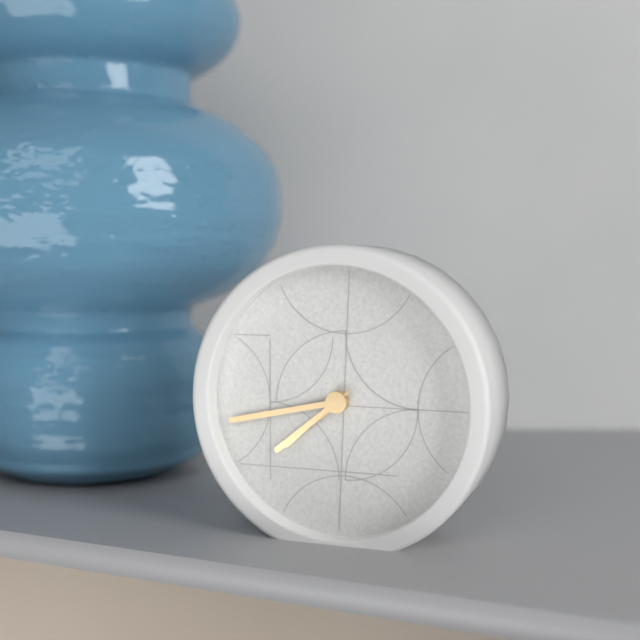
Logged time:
7:43:38
